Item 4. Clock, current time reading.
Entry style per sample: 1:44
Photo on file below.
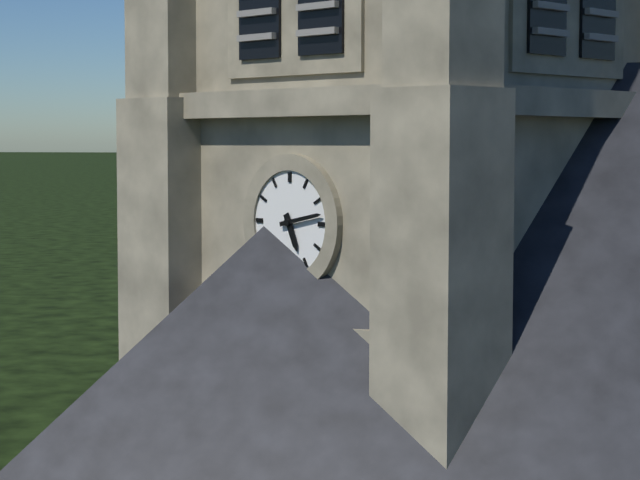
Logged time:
5:13
